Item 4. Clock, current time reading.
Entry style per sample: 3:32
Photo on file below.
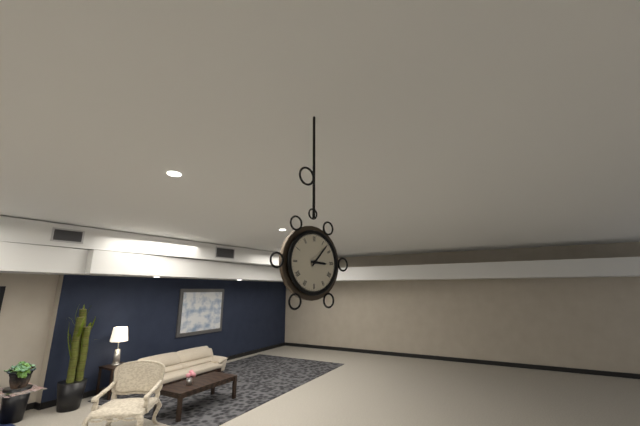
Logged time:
3:07
